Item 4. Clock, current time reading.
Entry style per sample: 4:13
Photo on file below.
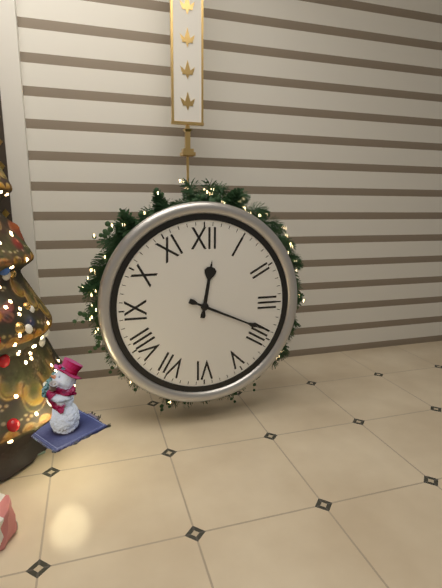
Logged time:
12:19
